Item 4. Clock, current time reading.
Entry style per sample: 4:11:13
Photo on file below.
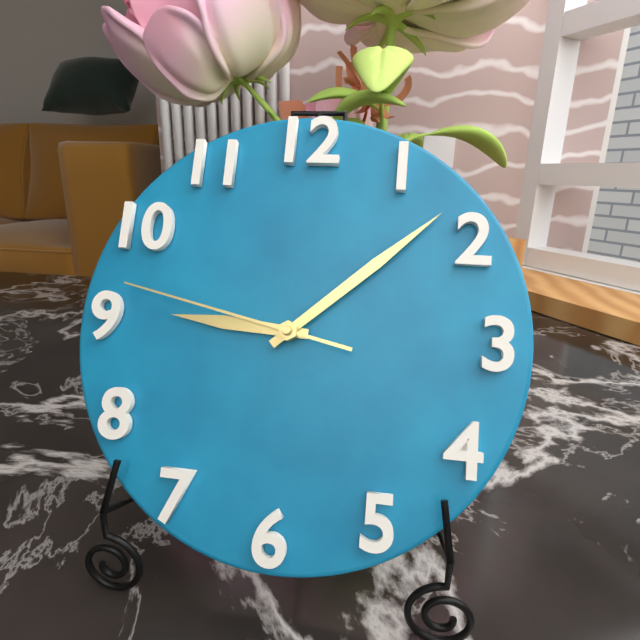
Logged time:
9:08:47
